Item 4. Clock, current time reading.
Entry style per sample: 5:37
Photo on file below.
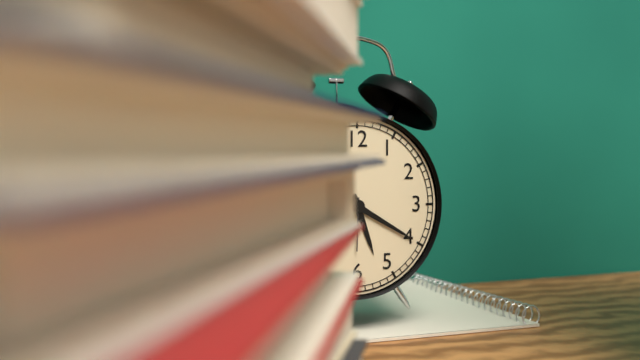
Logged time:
5:20
